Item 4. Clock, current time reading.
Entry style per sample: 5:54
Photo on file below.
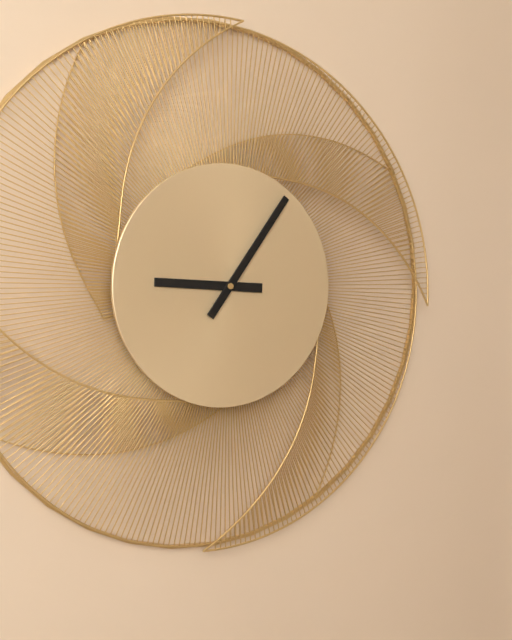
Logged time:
9:06
